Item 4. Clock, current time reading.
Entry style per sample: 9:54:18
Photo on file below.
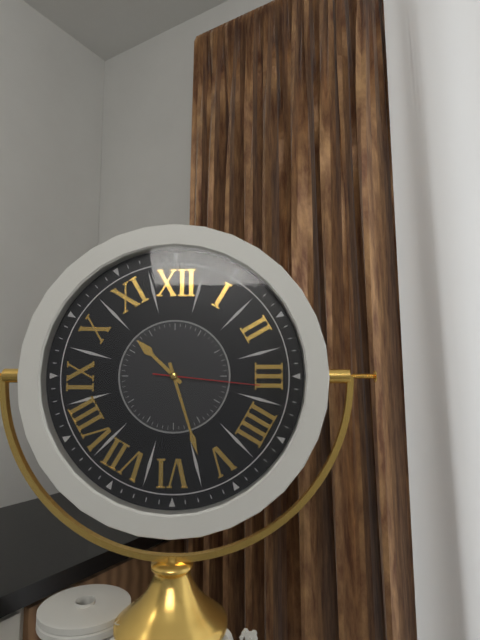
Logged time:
10:27:16
